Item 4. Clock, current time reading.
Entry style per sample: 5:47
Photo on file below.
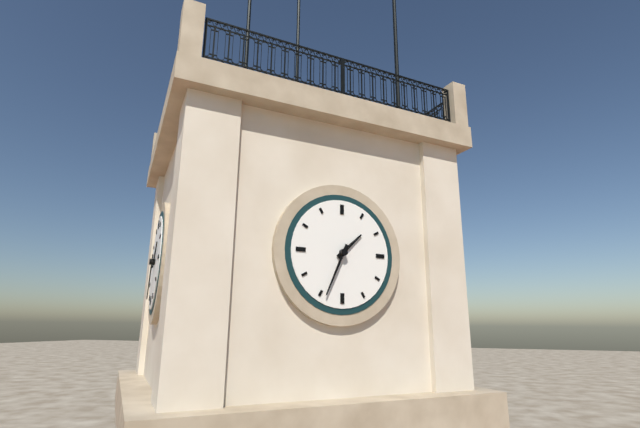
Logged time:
1:34
